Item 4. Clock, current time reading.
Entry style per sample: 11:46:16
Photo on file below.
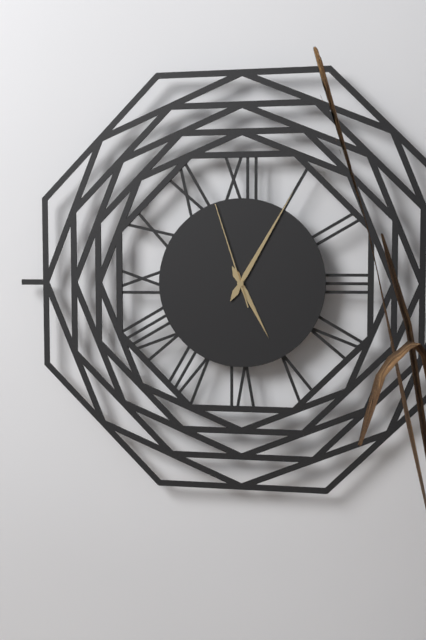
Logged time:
5:05:57
